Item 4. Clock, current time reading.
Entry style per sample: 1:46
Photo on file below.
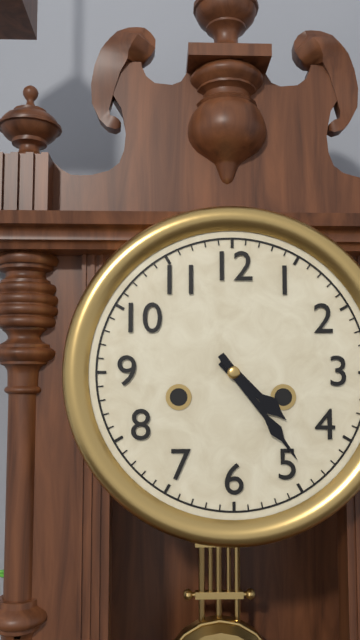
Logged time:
4:24
